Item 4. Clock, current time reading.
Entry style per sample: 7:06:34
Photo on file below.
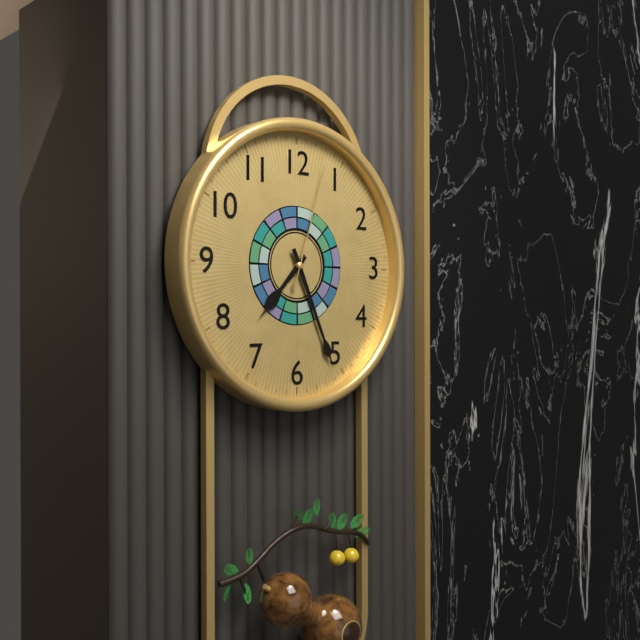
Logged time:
7:26:03
